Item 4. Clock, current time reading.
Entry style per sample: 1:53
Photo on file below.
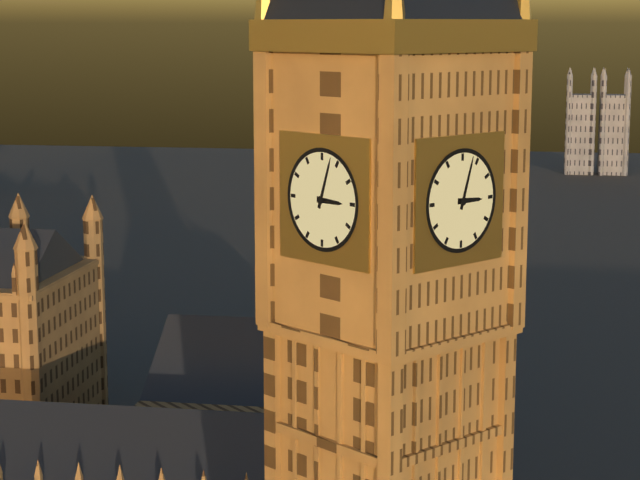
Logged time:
3:03
